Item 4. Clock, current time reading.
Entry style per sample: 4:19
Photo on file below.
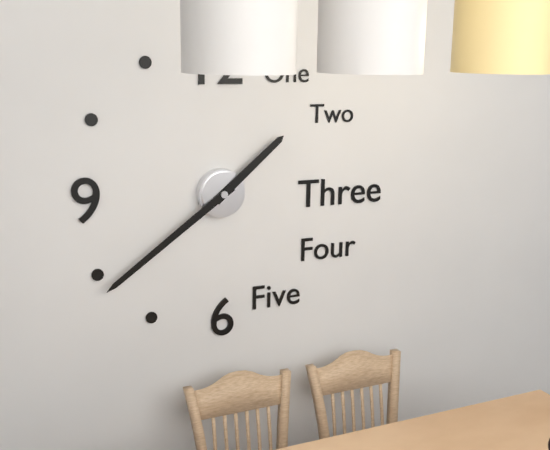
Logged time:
1:39
